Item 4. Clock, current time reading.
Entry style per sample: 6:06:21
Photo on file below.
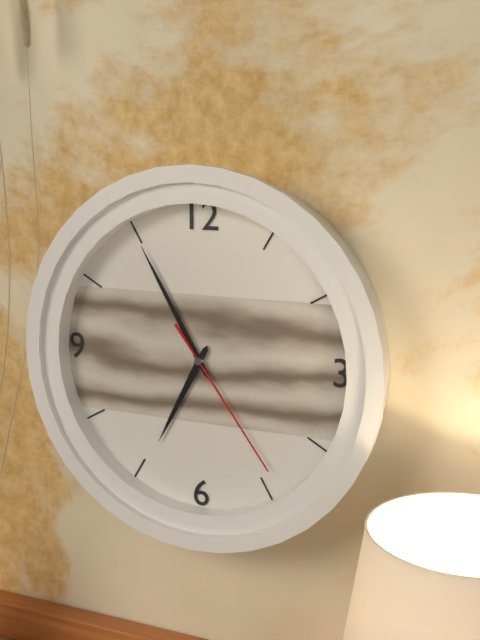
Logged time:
6:55:24
